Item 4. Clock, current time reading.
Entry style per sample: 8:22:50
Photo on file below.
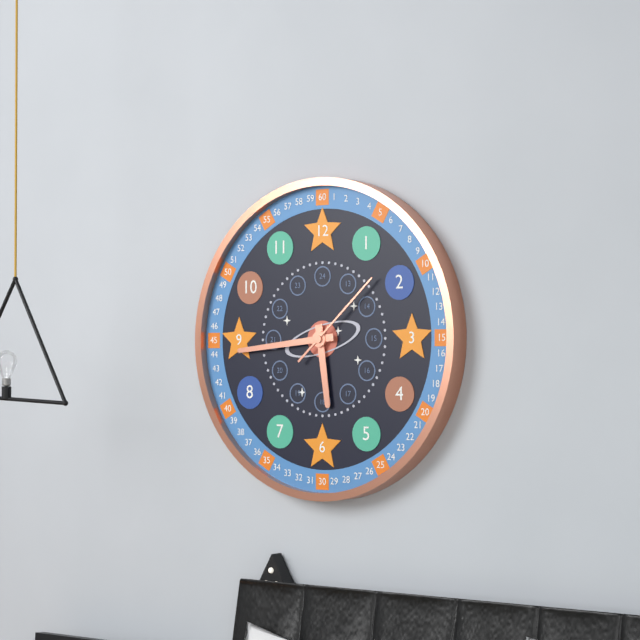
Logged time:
5:44:08
